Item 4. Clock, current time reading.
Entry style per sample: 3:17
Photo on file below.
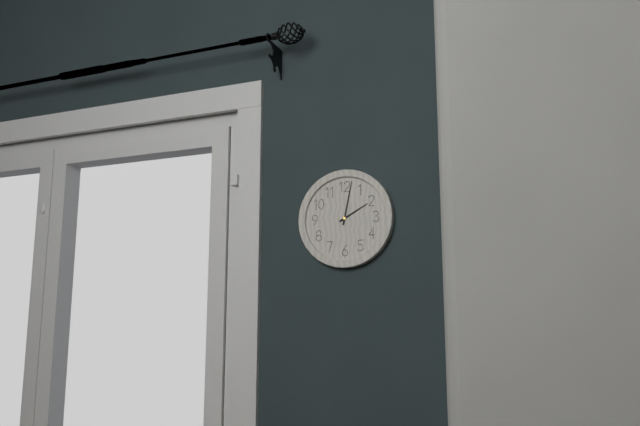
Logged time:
2:02
